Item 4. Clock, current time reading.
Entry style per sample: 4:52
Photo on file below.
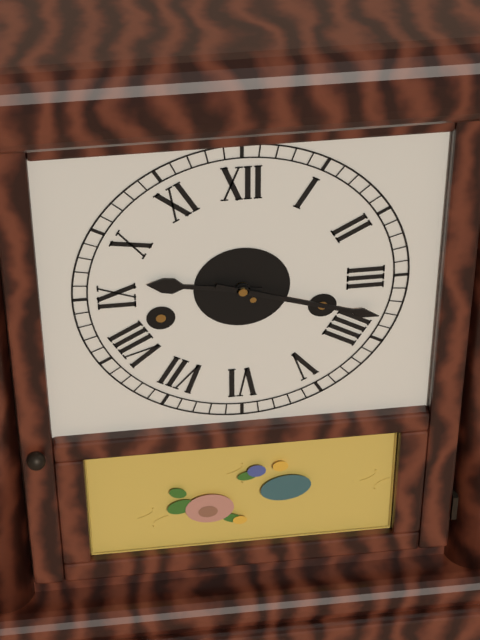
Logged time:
9:18
